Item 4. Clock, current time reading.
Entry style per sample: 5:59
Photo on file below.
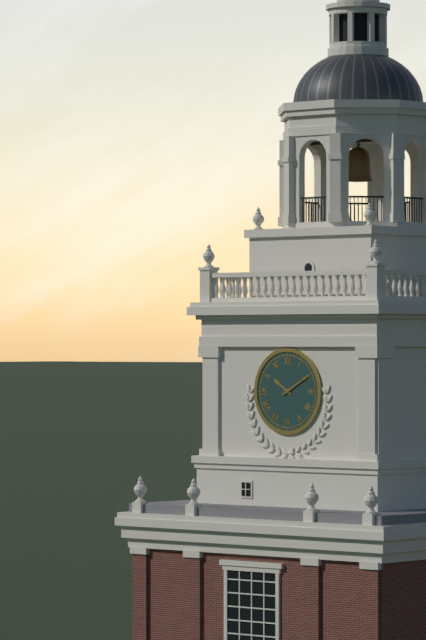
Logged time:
10:10
